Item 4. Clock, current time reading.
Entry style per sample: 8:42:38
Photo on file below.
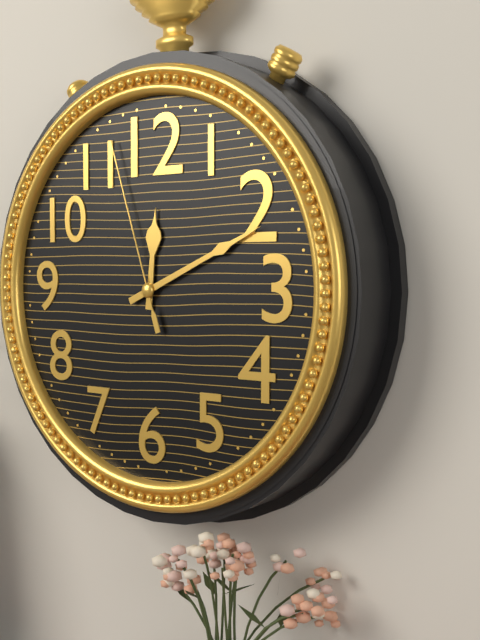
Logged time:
12:11:57
